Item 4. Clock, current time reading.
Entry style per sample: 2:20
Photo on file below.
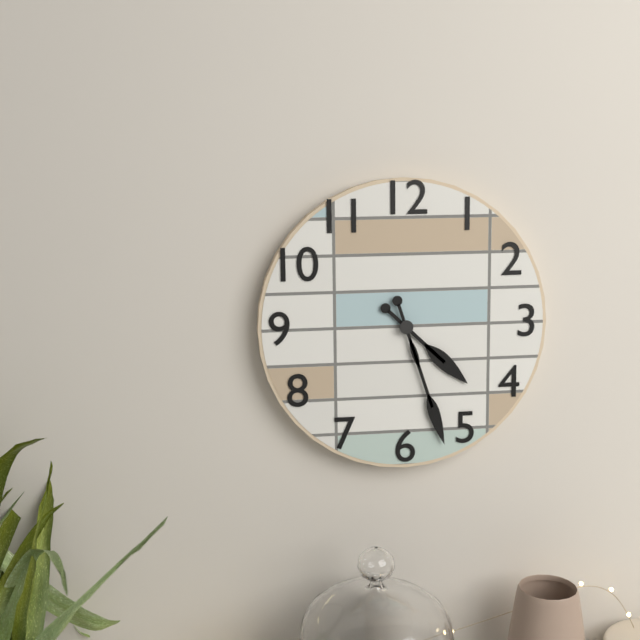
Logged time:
4:27
